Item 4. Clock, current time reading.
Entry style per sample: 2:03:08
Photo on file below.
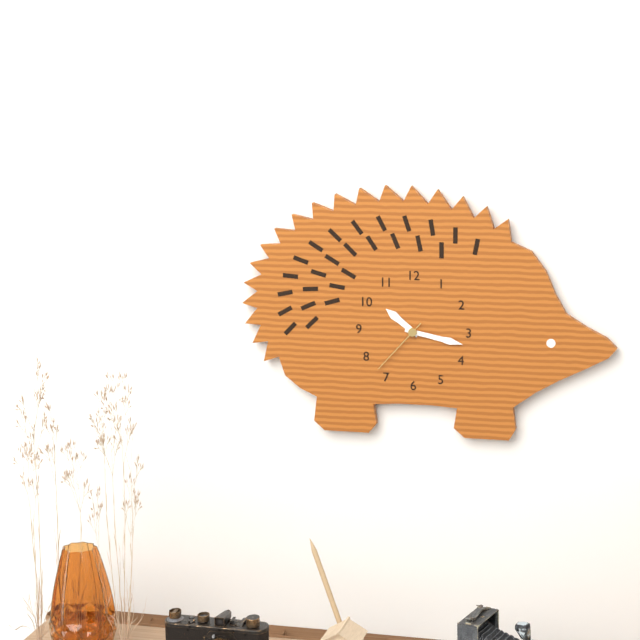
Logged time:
10:17:37
